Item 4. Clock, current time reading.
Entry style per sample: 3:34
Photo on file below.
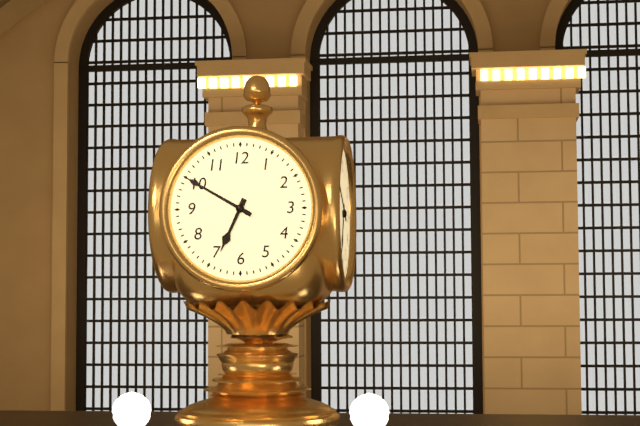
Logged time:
6:50
